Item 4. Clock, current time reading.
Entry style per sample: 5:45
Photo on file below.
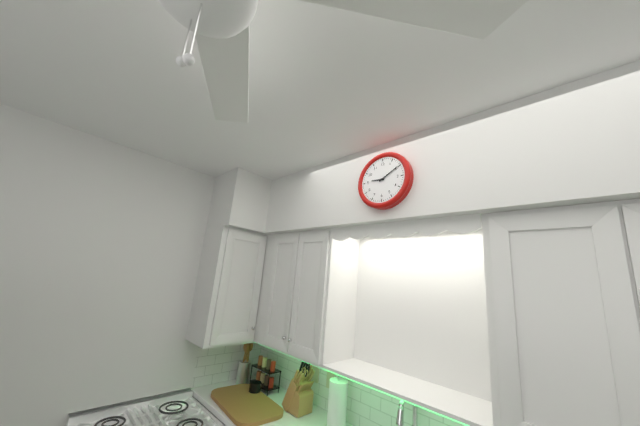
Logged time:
9:10
